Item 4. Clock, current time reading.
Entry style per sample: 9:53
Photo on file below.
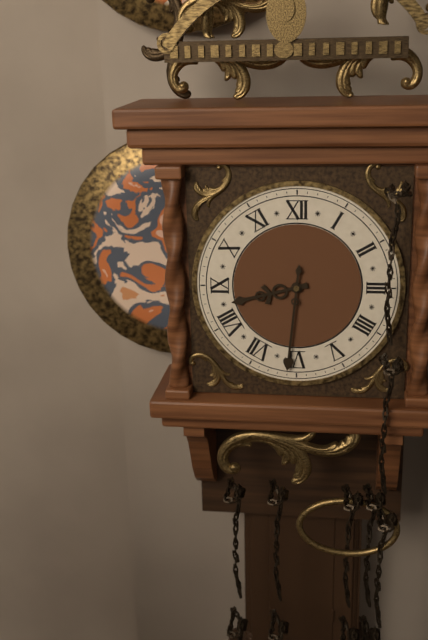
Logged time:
8:31
